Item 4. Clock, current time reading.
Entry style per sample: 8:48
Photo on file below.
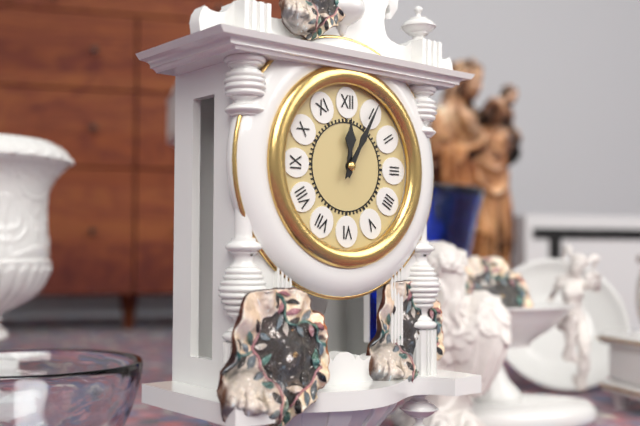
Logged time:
12:05
